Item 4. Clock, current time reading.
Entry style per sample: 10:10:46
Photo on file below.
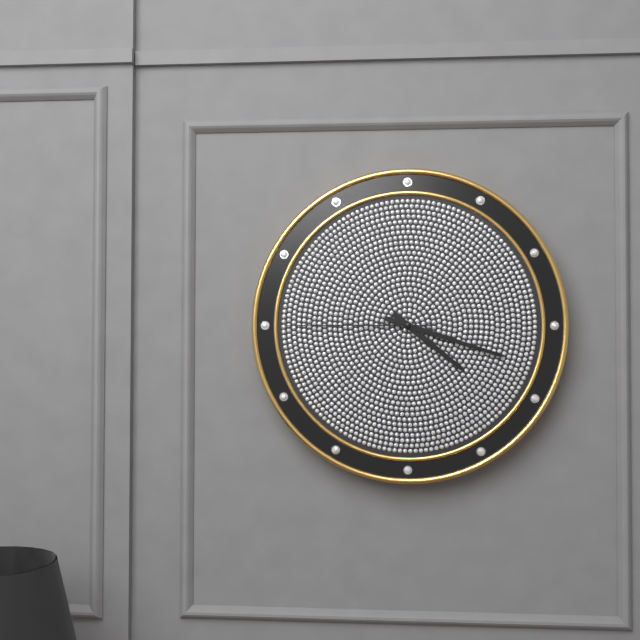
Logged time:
4:18:45
